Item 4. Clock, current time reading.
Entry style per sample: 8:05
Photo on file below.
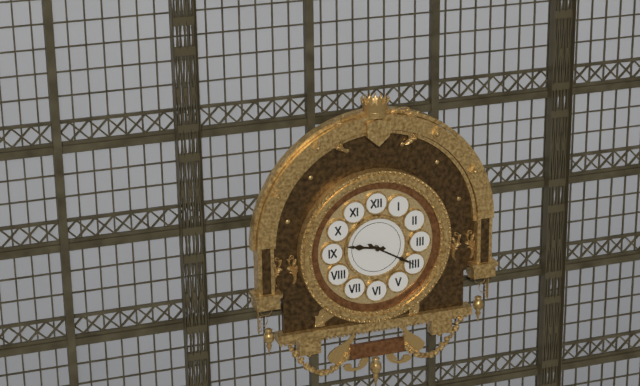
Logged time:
9:20
